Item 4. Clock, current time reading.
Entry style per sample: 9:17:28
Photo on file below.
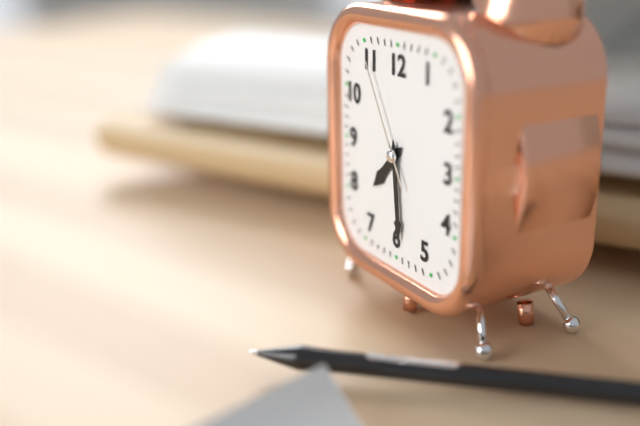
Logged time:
7:29:55
